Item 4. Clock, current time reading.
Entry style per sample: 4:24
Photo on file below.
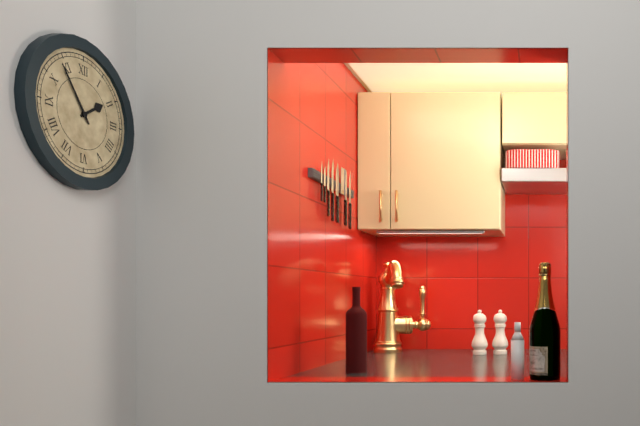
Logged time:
1:54
